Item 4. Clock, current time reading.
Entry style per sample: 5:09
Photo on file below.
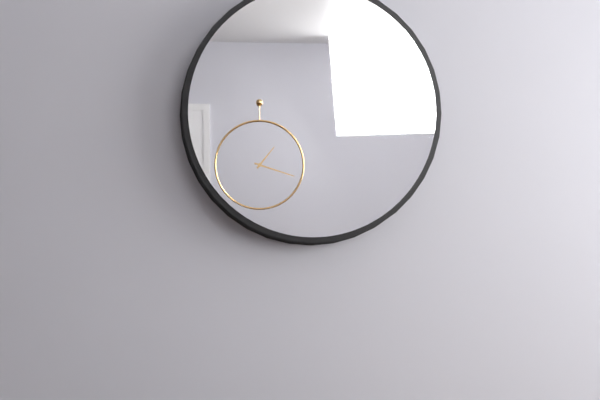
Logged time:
1:18
